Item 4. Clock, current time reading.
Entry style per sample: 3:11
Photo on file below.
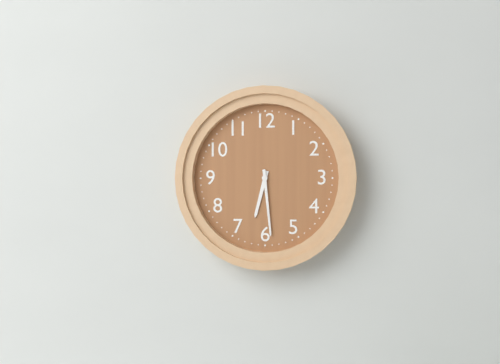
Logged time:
6:29
